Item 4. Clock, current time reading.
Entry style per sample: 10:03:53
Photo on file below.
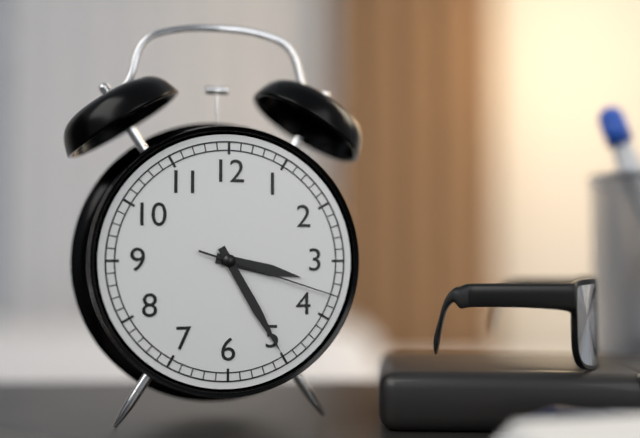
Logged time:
3:25:18
